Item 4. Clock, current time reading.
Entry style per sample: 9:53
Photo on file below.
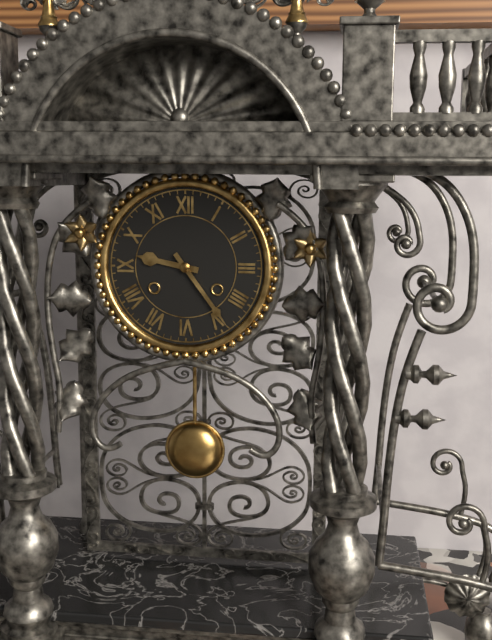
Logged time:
9:24
